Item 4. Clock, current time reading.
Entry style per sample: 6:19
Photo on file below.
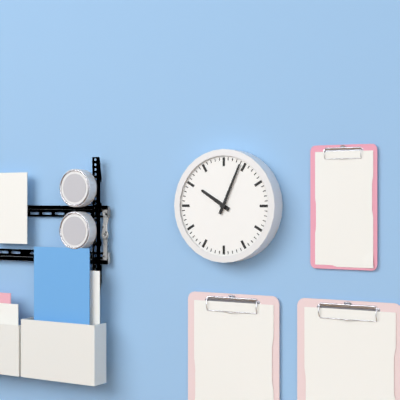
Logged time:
10:04
